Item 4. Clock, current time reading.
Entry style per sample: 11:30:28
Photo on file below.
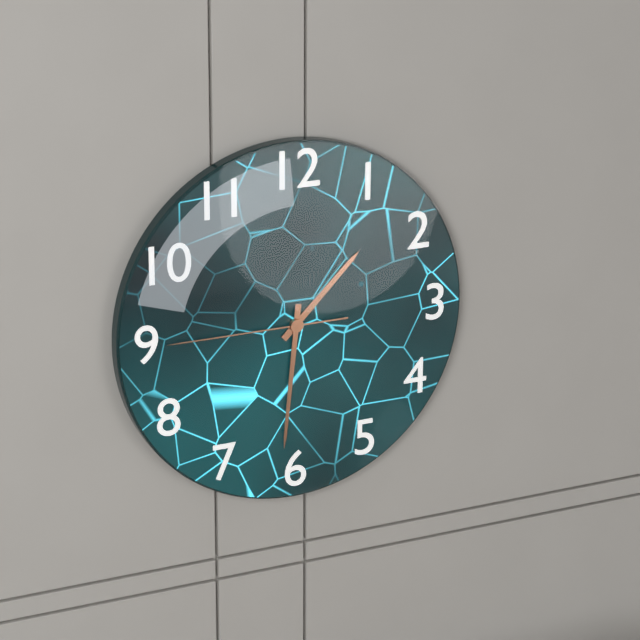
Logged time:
1:31:45
